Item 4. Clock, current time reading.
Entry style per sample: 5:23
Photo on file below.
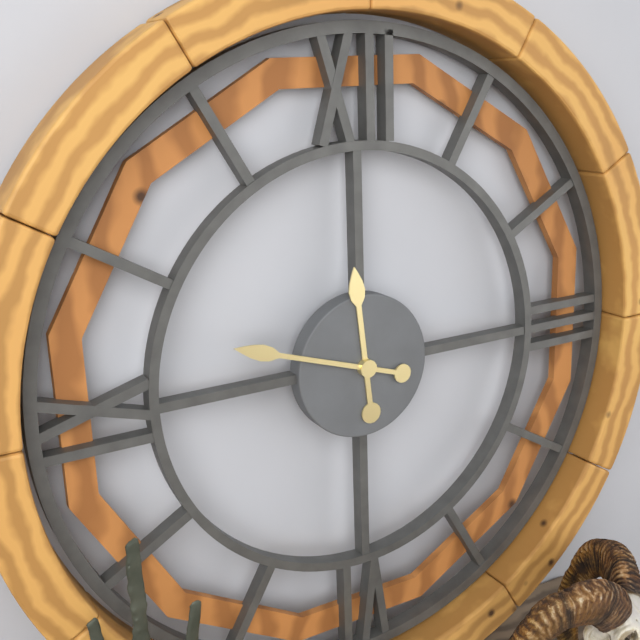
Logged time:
11:48
